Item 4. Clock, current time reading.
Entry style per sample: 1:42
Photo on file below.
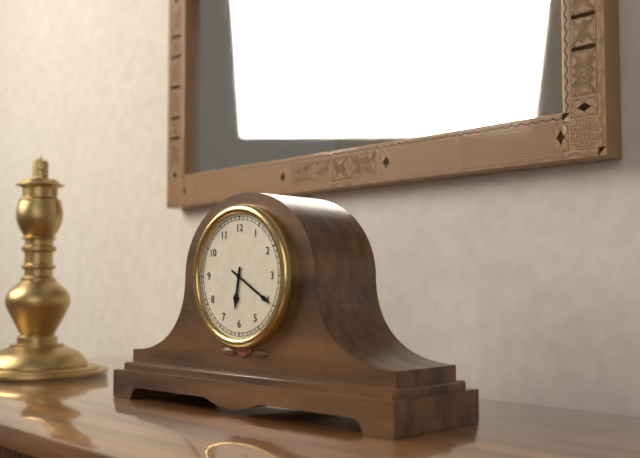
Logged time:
6:20
